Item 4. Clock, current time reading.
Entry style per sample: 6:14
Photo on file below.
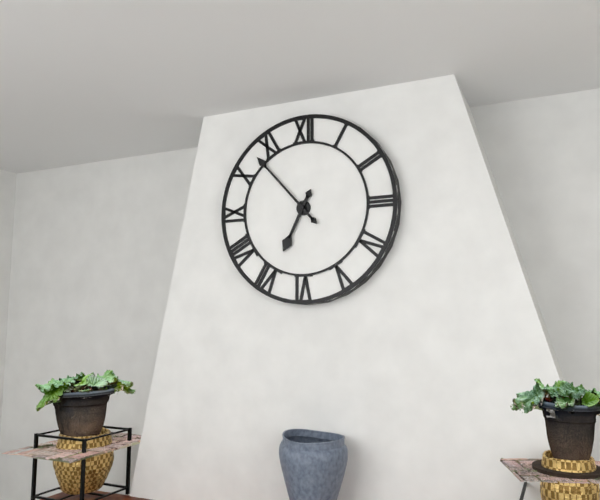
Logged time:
6:53
